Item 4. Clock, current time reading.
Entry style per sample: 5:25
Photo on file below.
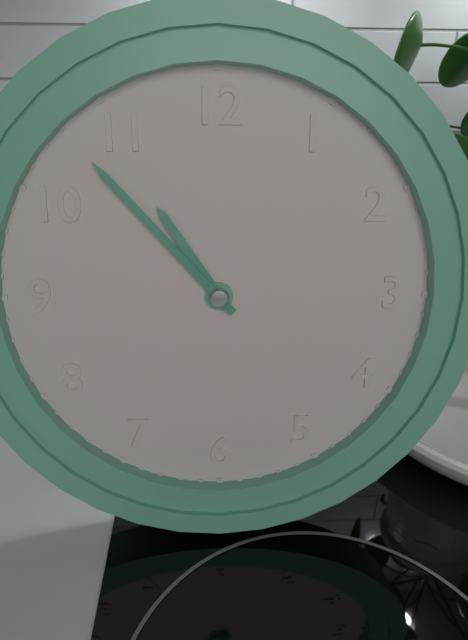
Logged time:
10:53
